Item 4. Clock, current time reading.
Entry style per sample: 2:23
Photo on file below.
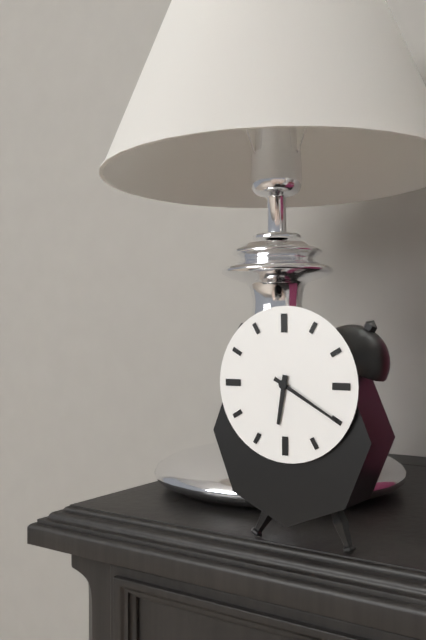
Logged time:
6:20
